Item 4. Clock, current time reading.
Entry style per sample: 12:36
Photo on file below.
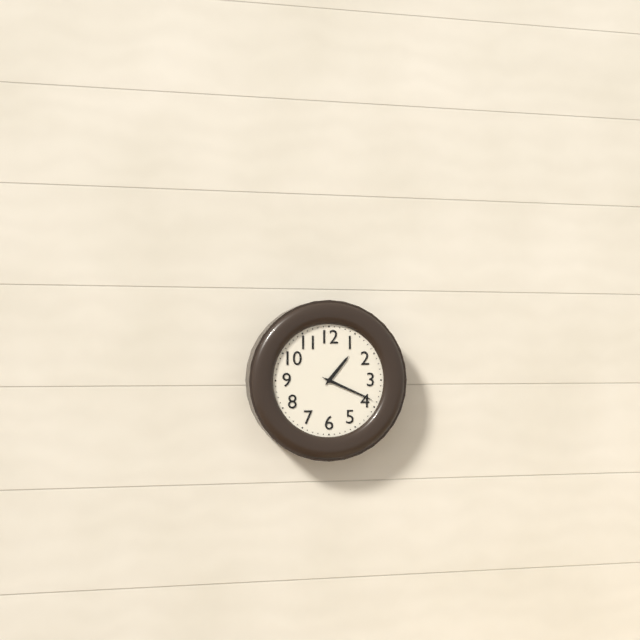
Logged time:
1:19
